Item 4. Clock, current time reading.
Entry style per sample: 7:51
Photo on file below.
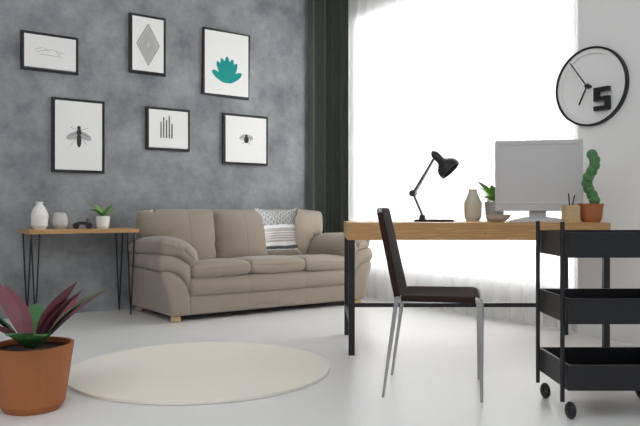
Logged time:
6:54
